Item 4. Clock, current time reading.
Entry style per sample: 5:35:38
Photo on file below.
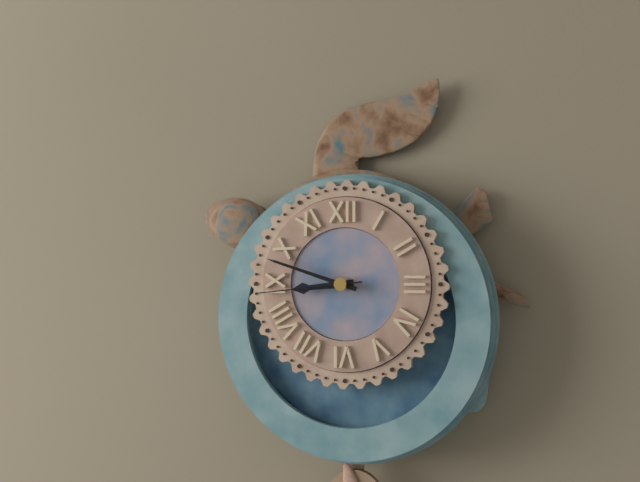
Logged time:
8:48:44
